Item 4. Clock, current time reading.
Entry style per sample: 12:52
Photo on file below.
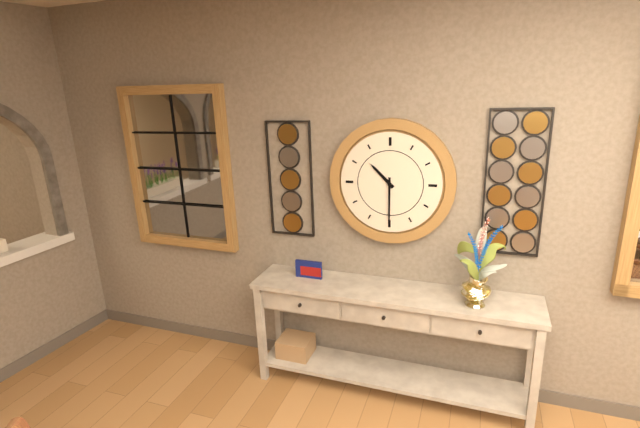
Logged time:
10:30
